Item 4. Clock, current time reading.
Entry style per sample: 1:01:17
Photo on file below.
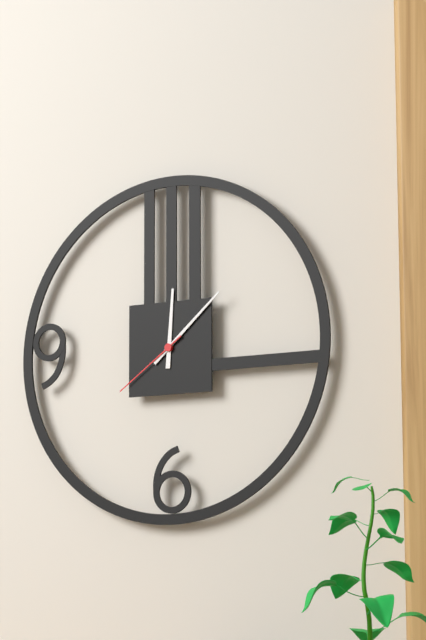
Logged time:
12:08:39
